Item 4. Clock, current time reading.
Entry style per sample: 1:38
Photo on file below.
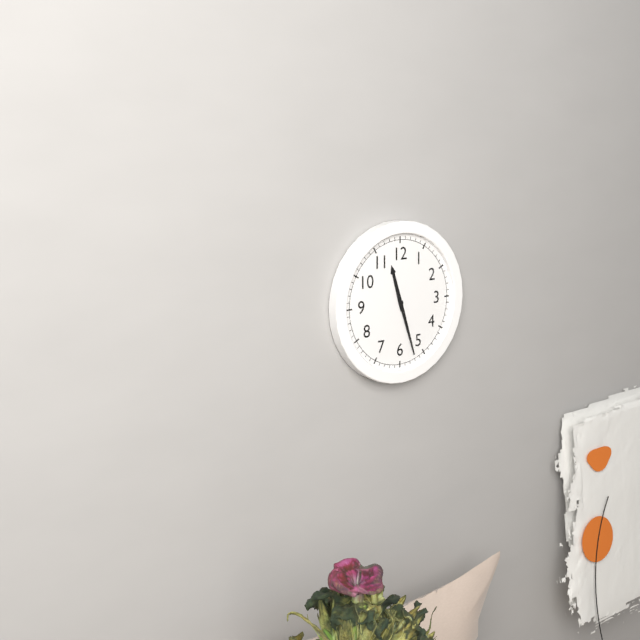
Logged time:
11:27
